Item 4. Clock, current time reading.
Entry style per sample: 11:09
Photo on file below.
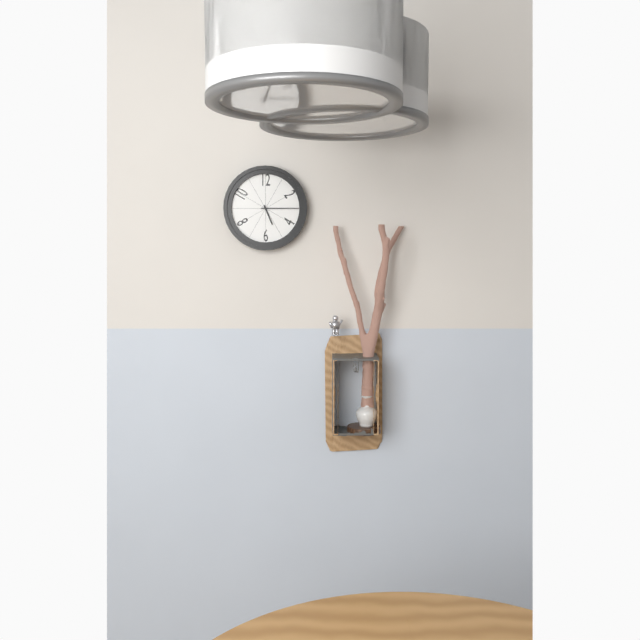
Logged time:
5:15
